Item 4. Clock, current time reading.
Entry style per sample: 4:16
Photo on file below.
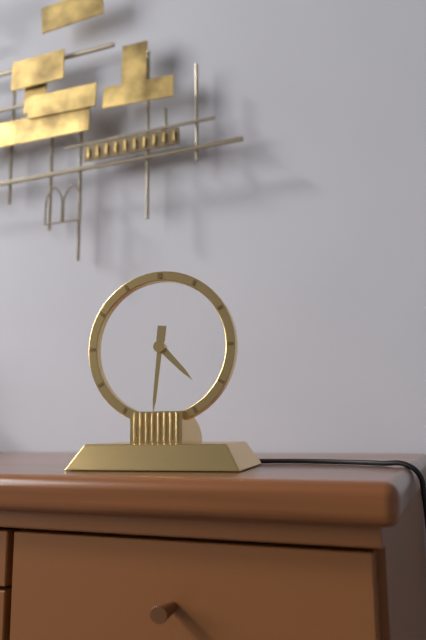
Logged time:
4:31
